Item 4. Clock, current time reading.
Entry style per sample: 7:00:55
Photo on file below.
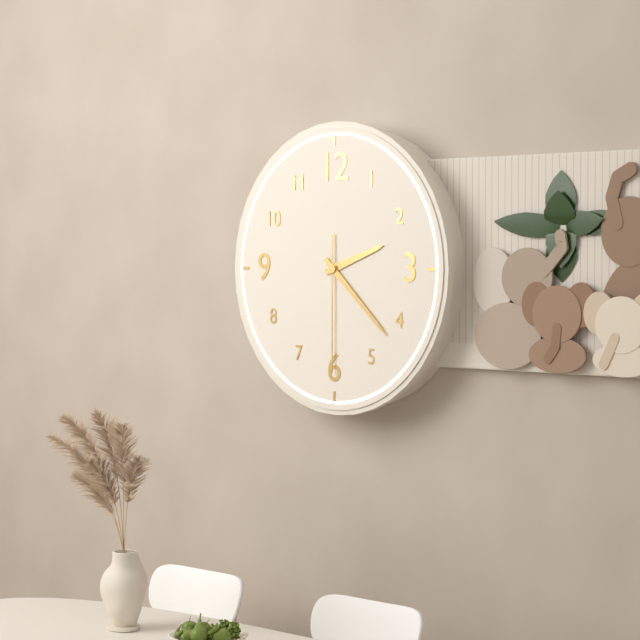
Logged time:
2:22:30
